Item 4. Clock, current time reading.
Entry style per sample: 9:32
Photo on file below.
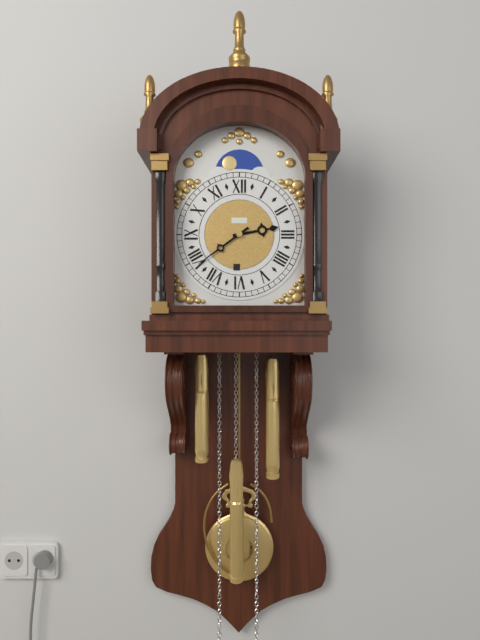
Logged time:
2:39
